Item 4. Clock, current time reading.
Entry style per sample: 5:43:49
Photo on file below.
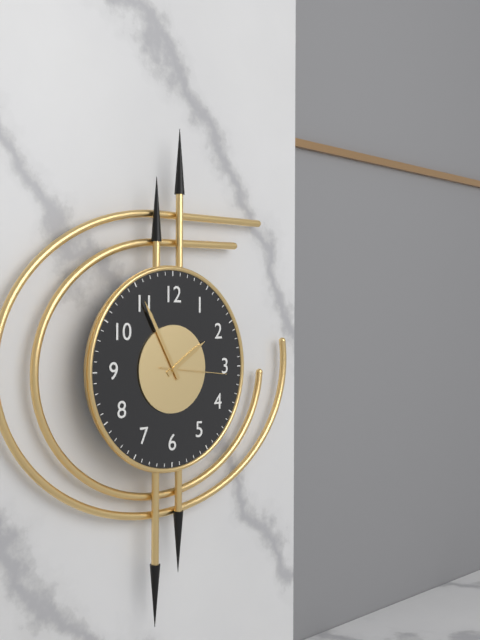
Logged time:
1:55:16
